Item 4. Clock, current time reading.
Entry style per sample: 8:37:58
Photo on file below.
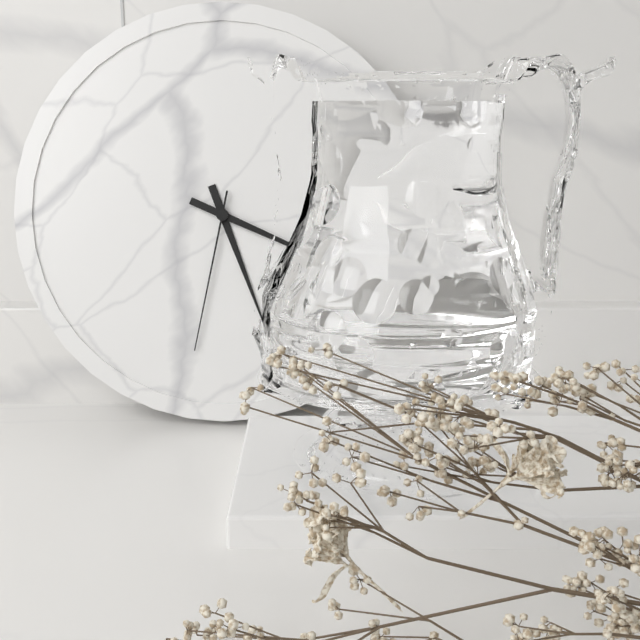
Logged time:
5:19:32
